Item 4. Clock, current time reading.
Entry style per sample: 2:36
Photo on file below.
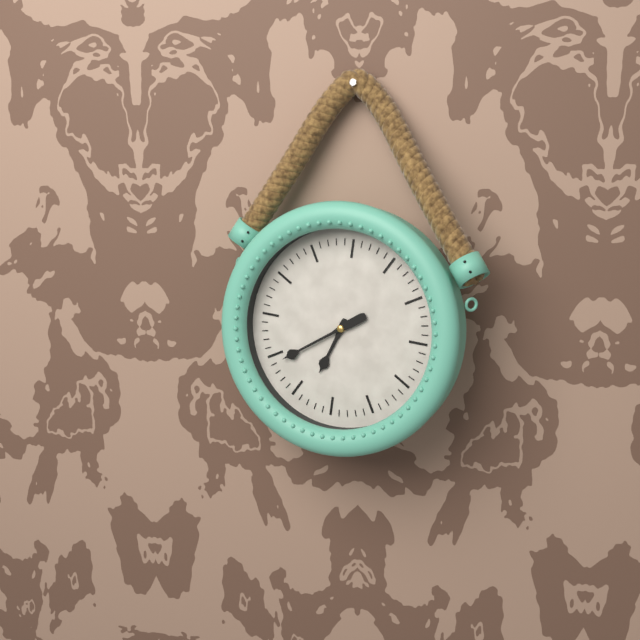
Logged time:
6:39
